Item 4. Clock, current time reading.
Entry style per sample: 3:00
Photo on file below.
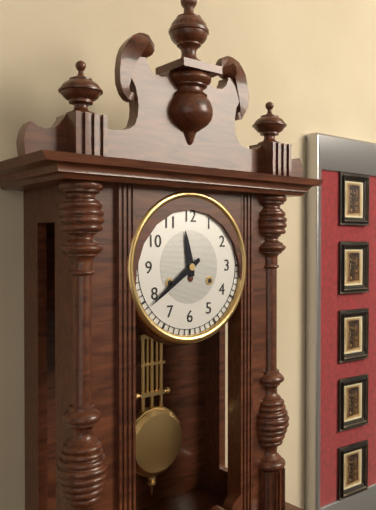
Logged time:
11:39
